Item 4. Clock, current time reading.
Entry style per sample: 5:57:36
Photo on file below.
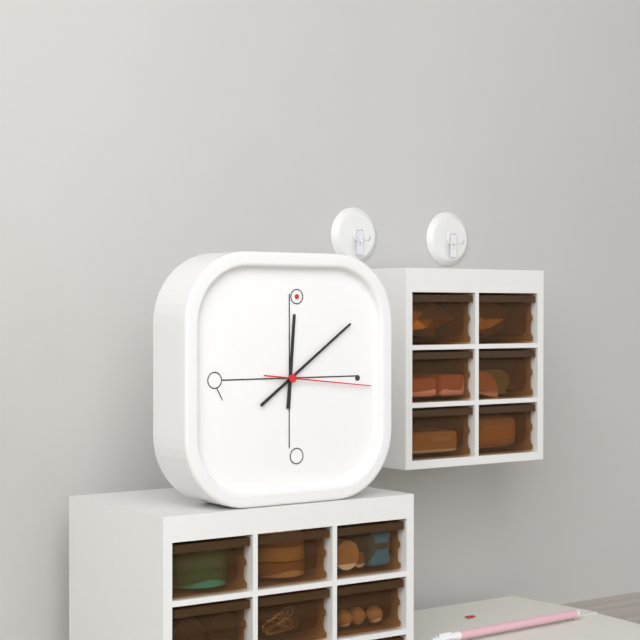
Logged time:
12:09:16
